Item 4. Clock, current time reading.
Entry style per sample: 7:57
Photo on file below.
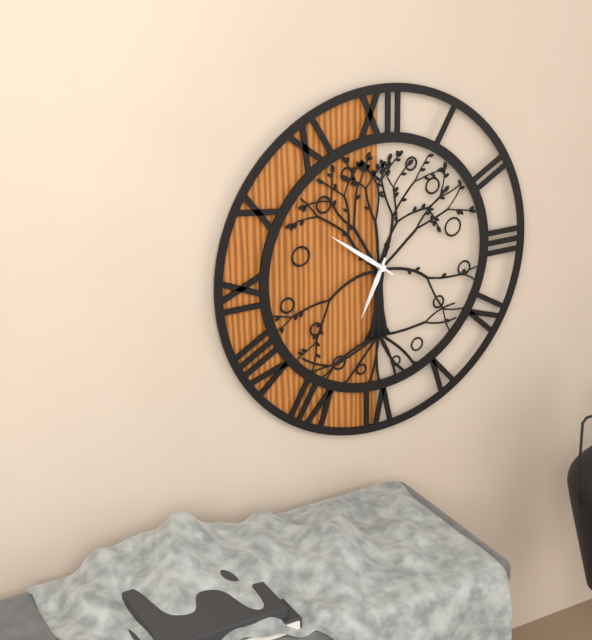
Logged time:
6:51
